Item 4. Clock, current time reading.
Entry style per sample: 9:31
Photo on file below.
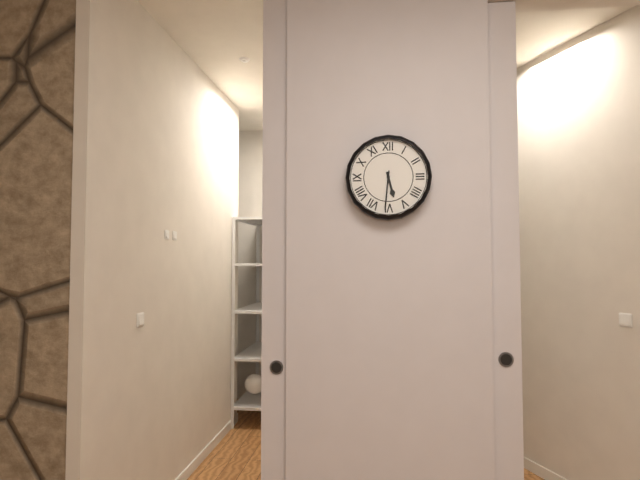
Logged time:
5:31
